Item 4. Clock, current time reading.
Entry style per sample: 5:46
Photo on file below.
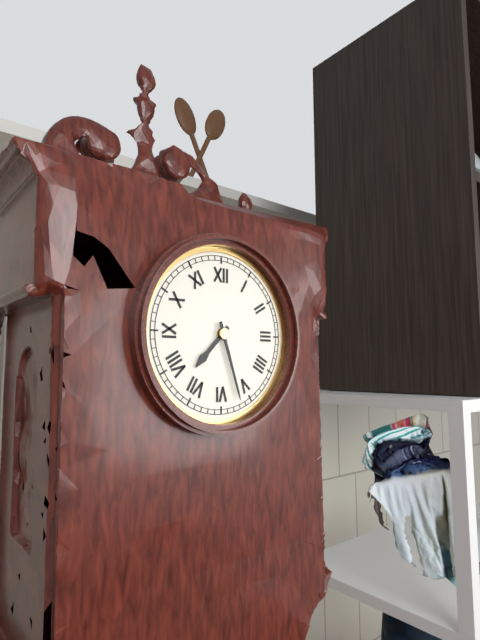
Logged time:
7:27
